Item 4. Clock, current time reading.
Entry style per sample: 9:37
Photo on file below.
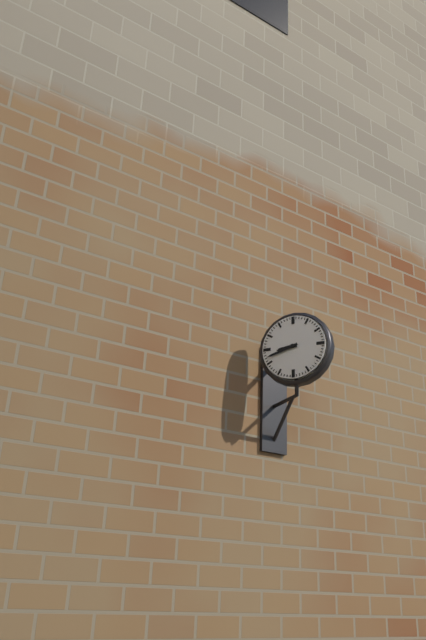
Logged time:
8:42
